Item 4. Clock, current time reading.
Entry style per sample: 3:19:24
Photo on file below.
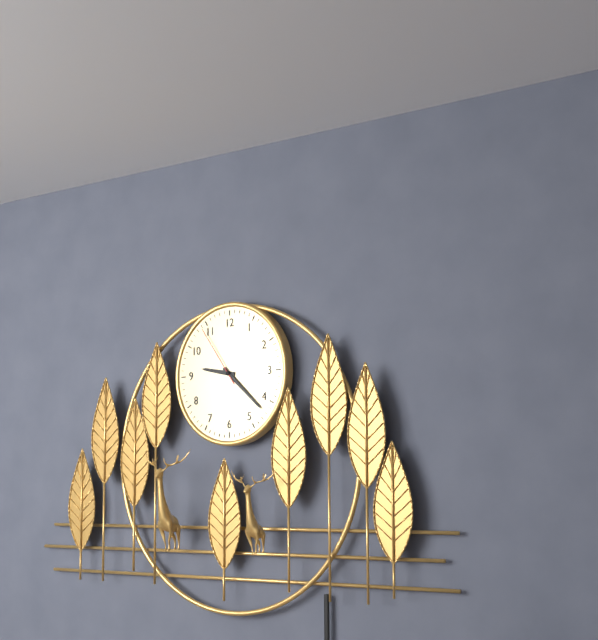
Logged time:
9:22:54
